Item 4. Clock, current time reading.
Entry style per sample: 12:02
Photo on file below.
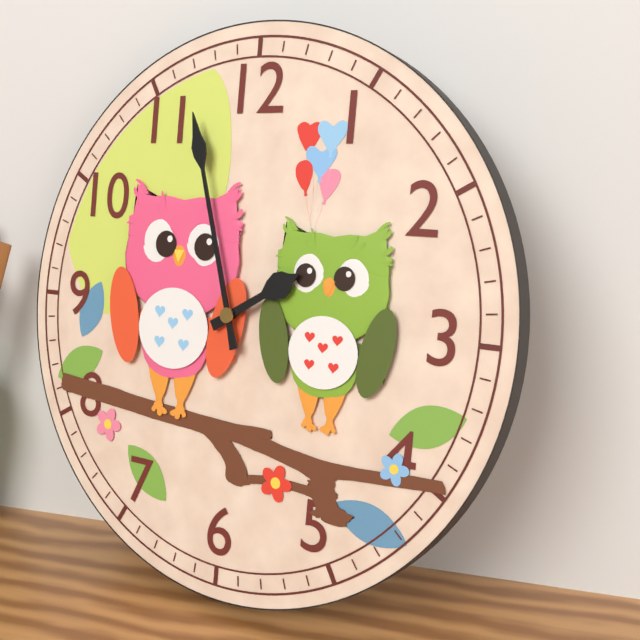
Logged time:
1:57
